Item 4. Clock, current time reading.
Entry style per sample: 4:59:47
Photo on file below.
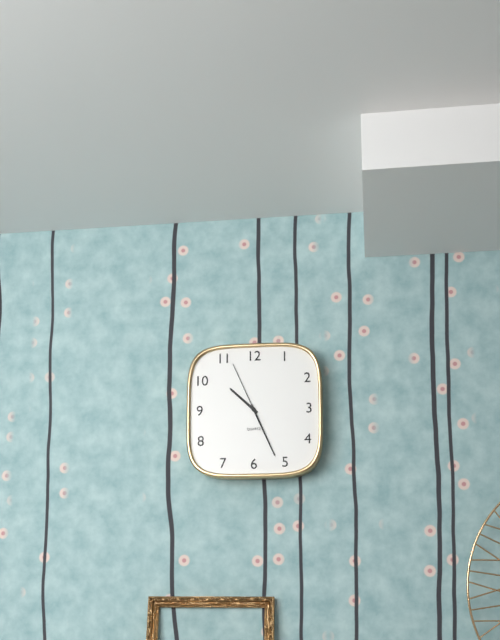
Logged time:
10:26:56
